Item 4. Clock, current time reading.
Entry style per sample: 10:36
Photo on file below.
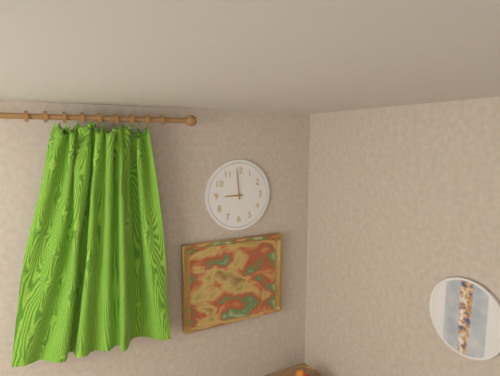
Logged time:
8:59
